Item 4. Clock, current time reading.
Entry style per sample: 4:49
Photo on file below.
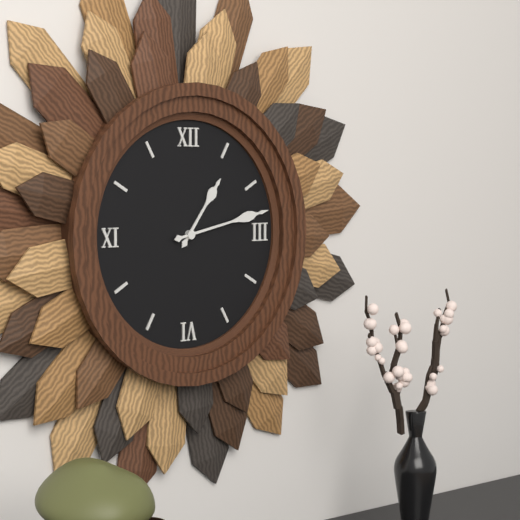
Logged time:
1:13
